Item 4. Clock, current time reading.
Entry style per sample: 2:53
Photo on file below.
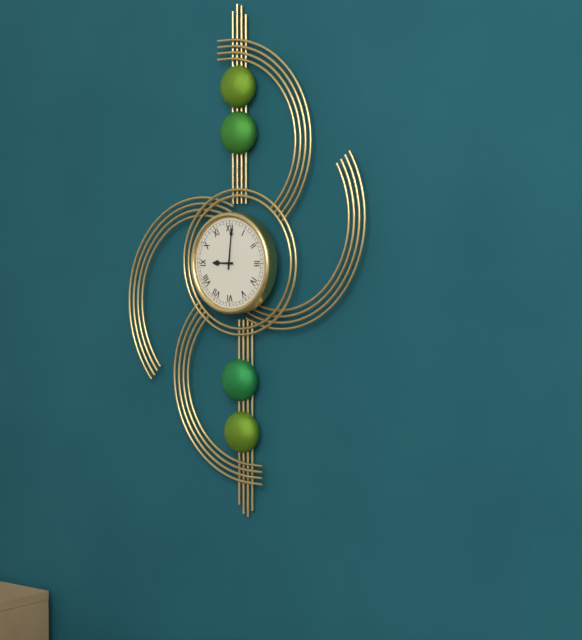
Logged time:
9:01
